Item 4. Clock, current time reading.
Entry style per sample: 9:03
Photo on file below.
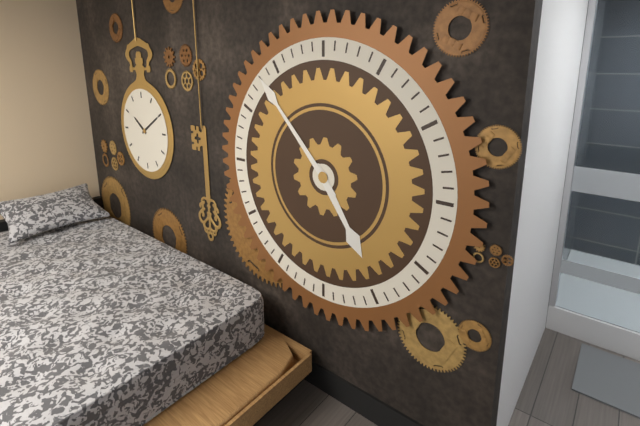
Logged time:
4:53
